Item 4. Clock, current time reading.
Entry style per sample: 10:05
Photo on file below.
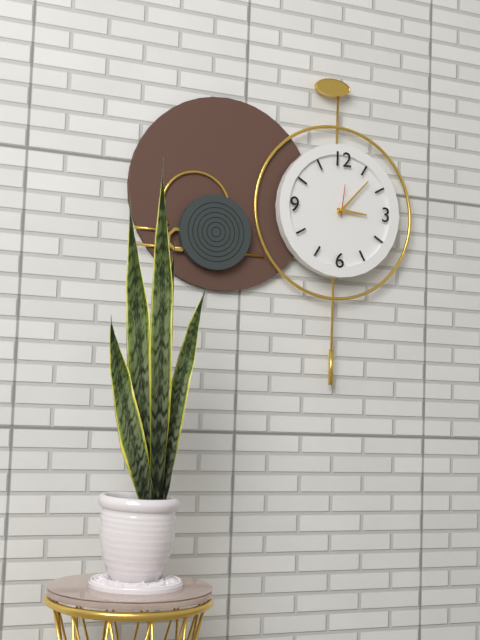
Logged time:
3:07
